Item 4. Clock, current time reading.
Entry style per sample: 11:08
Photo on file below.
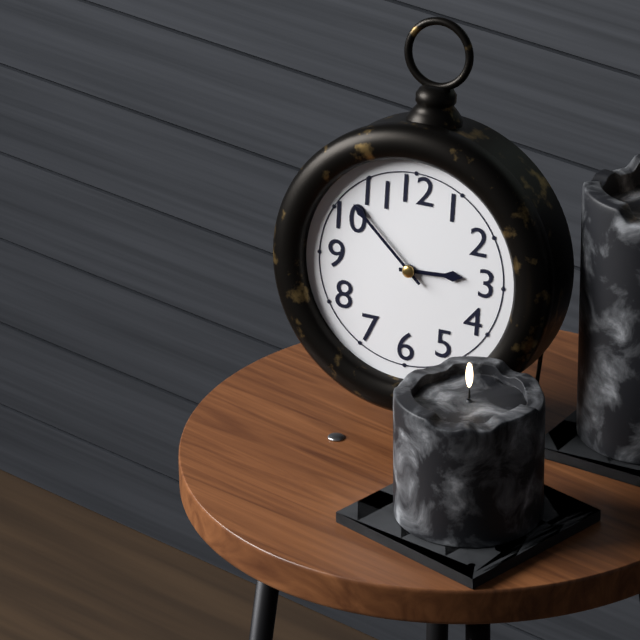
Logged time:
2:52
